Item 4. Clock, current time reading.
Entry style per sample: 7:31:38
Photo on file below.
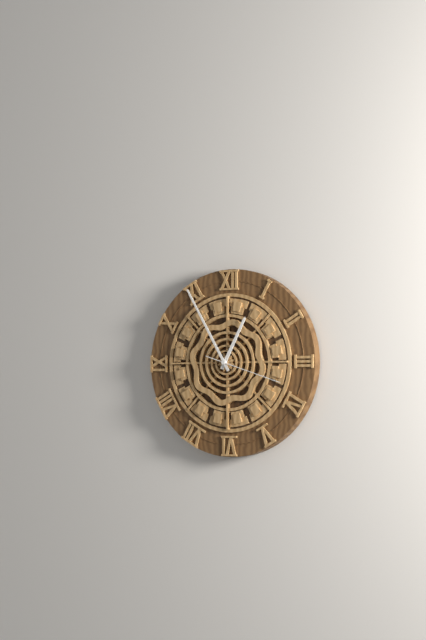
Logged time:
12:55:18
